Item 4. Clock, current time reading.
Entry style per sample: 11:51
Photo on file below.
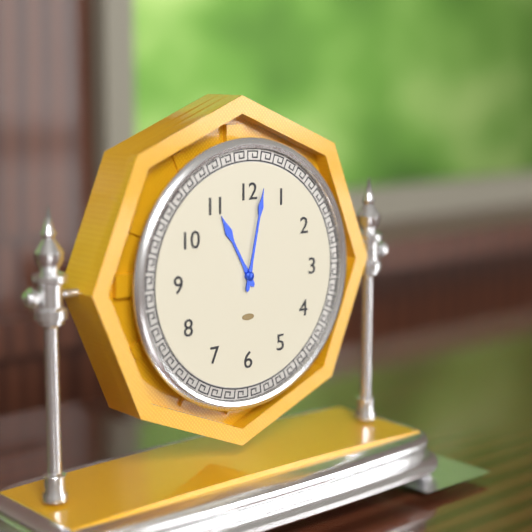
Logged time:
11:02
